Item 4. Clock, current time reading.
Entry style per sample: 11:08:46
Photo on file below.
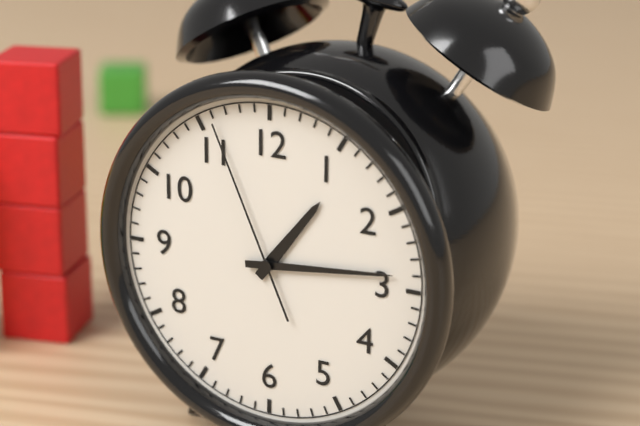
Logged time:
1:14:56
